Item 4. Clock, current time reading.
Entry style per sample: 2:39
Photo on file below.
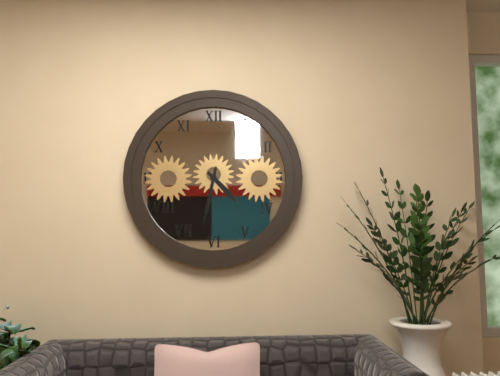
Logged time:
4:32
